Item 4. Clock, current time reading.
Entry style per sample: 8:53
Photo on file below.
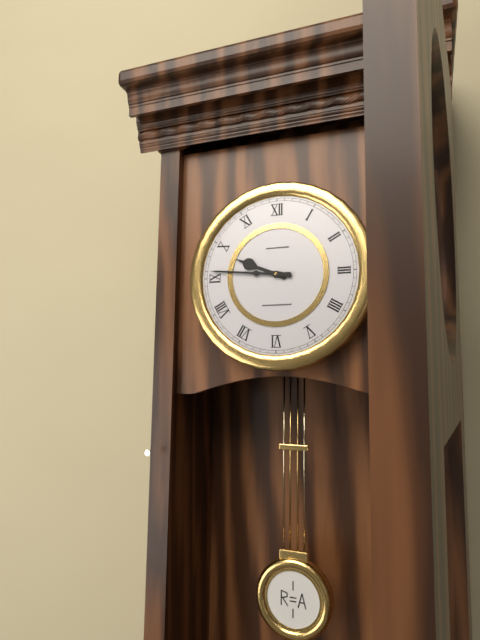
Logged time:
9:46
